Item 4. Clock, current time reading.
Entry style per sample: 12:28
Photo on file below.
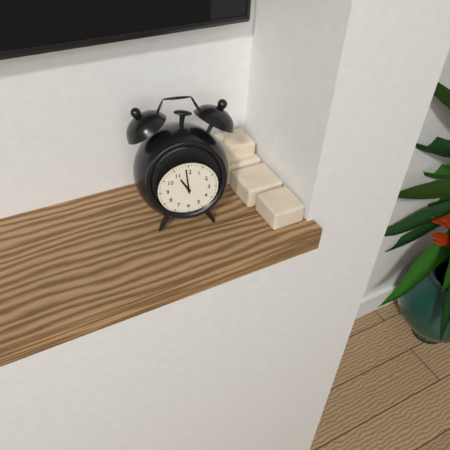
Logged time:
10:59
